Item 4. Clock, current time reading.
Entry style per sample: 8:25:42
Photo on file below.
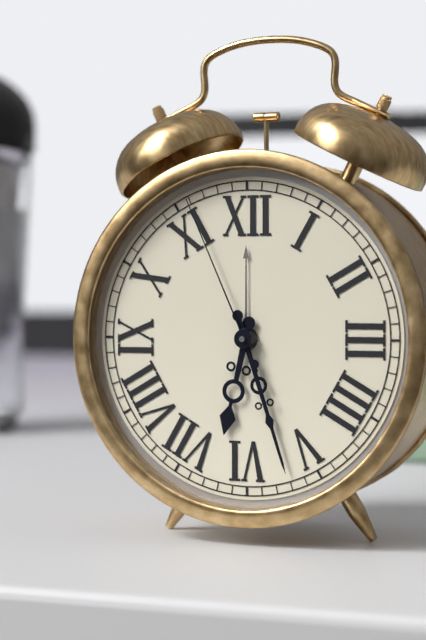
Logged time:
6:27:56
